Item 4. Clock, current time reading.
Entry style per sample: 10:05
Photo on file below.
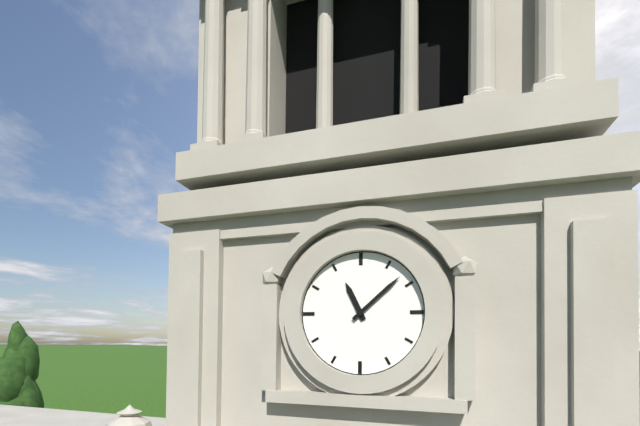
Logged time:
11:08
